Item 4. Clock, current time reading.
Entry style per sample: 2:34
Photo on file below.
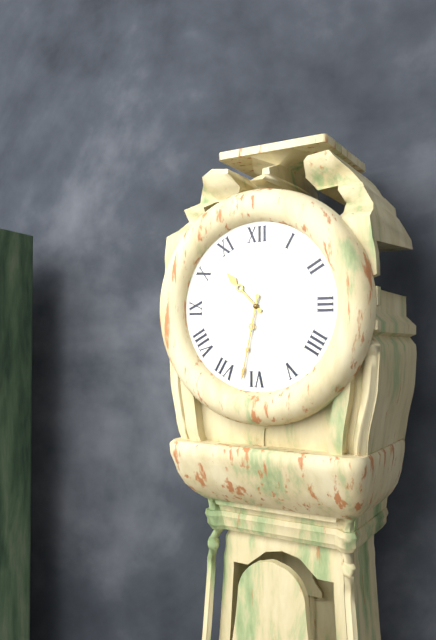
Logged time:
10:32
